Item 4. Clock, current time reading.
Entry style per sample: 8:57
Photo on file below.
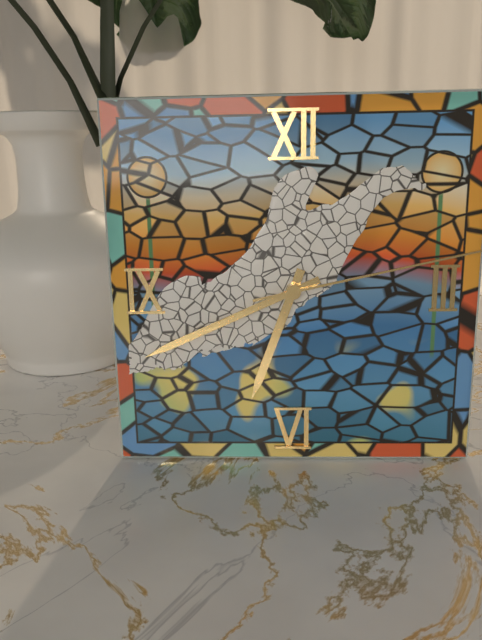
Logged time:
6:41
